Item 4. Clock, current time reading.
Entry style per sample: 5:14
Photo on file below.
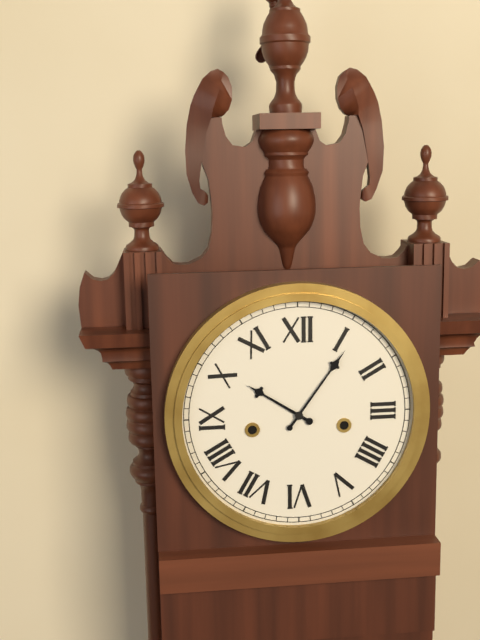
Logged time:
10:06
